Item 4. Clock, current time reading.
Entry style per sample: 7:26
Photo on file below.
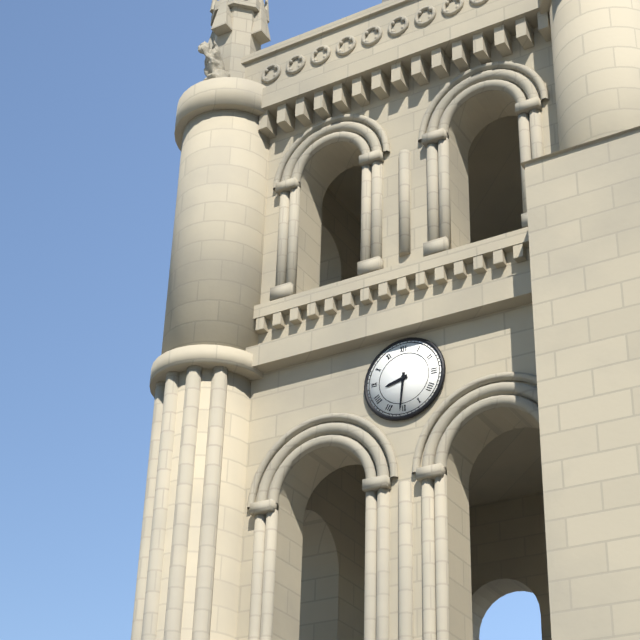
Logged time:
8:31
